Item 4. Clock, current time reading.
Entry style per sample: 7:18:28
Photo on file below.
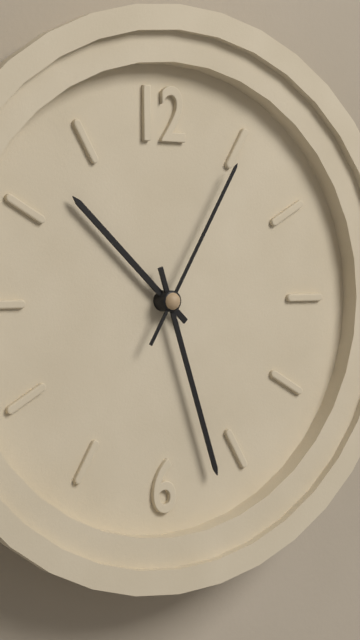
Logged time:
10:27:05
